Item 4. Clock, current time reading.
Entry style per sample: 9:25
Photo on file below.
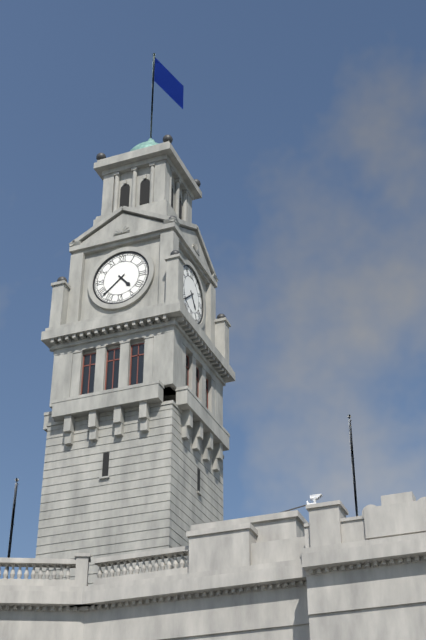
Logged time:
4:38
